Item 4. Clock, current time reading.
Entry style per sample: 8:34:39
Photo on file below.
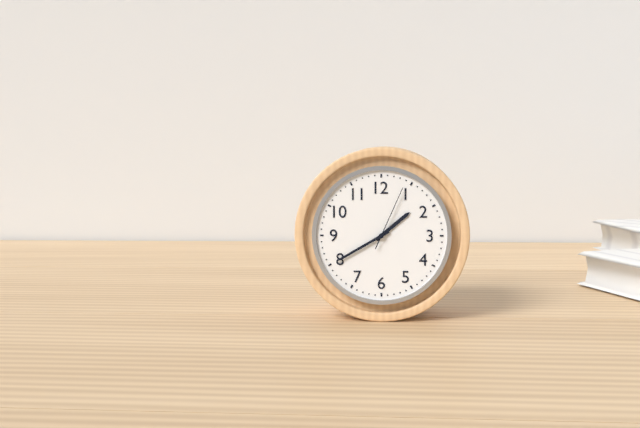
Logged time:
1:40:04
